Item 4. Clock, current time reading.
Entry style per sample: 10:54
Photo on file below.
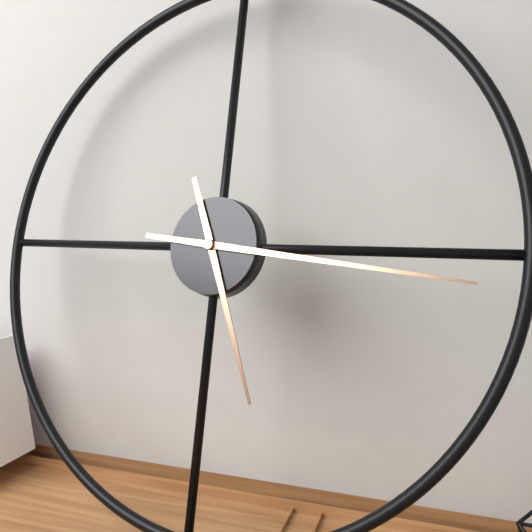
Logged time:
5:16
